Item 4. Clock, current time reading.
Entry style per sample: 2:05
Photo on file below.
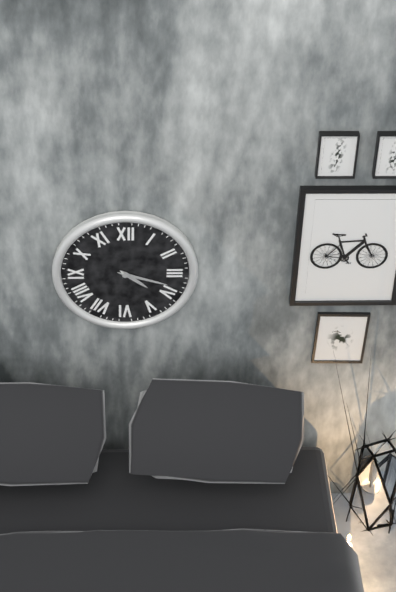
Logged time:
4:18
